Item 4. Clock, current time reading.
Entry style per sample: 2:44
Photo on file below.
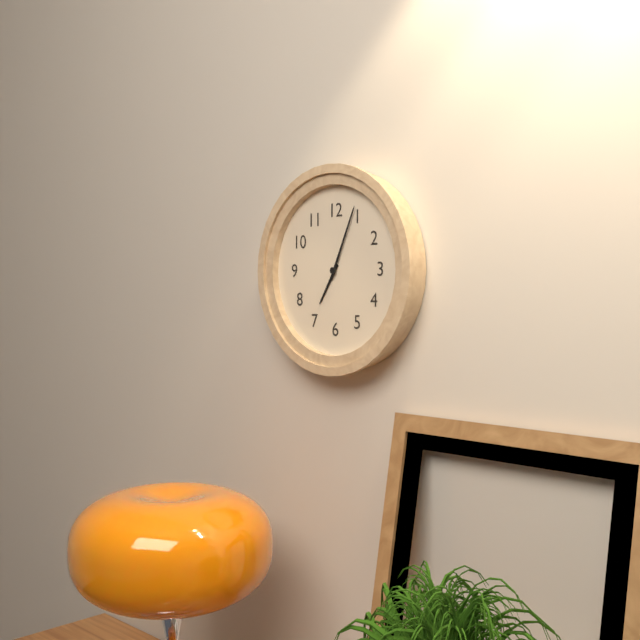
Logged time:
7:04
